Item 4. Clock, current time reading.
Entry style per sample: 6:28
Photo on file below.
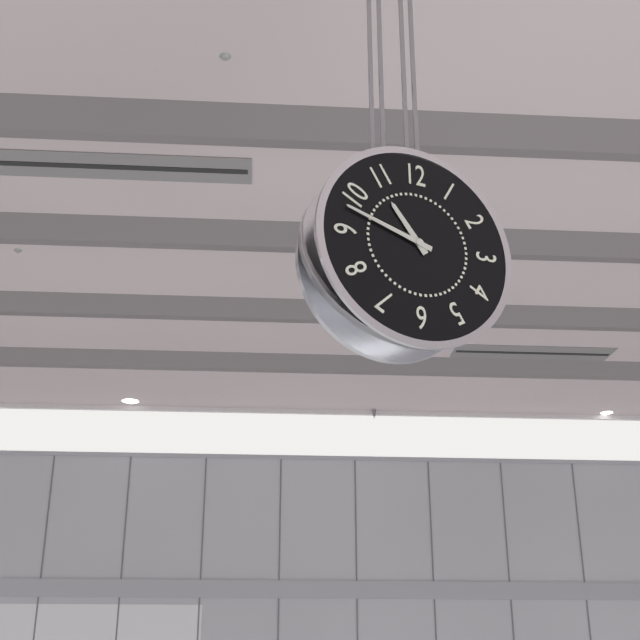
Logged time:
10:48
